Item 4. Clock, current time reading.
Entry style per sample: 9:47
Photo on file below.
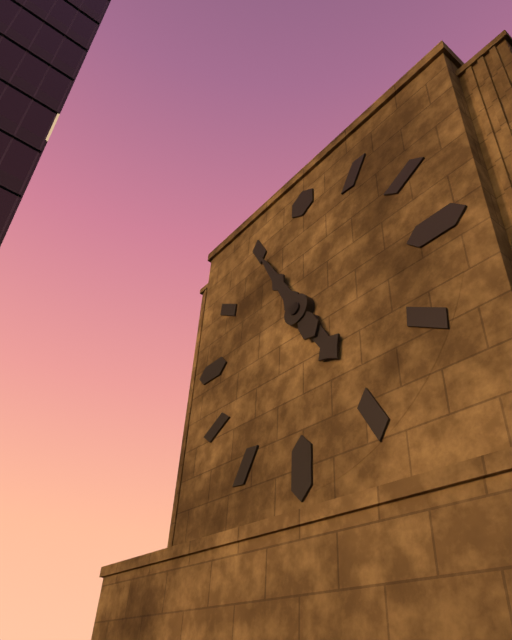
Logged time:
4:55
